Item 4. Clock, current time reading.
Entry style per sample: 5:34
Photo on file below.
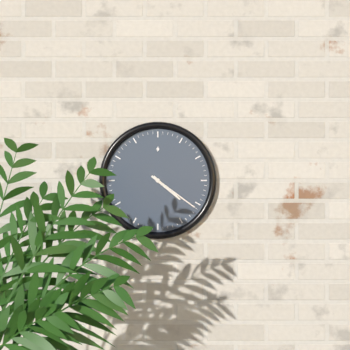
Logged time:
4:21
